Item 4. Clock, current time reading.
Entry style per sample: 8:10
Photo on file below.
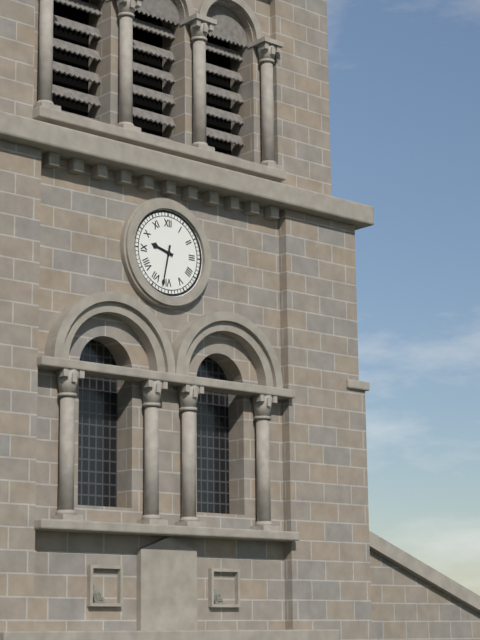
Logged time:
9:32
